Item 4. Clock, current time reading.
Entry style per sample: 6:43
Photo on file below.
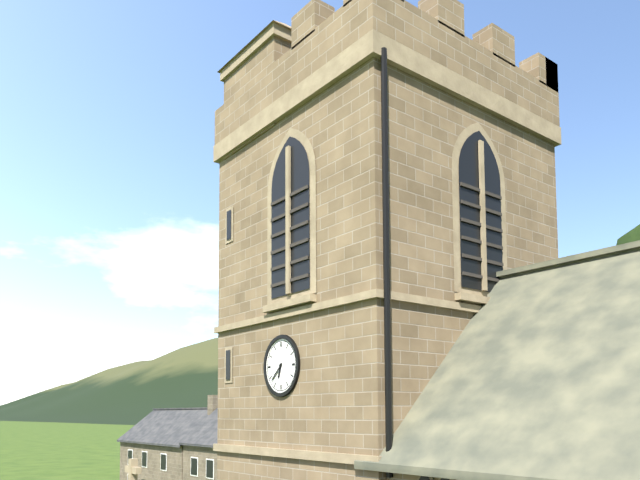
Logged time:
6:38
